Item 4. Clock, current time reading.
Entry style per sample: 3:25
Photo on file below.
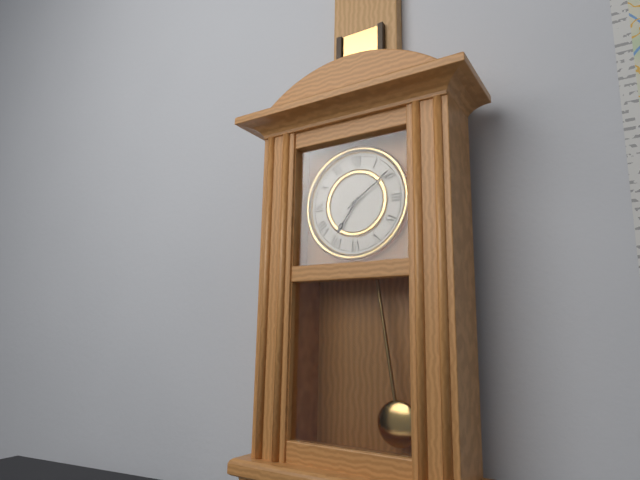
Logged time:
7:09
